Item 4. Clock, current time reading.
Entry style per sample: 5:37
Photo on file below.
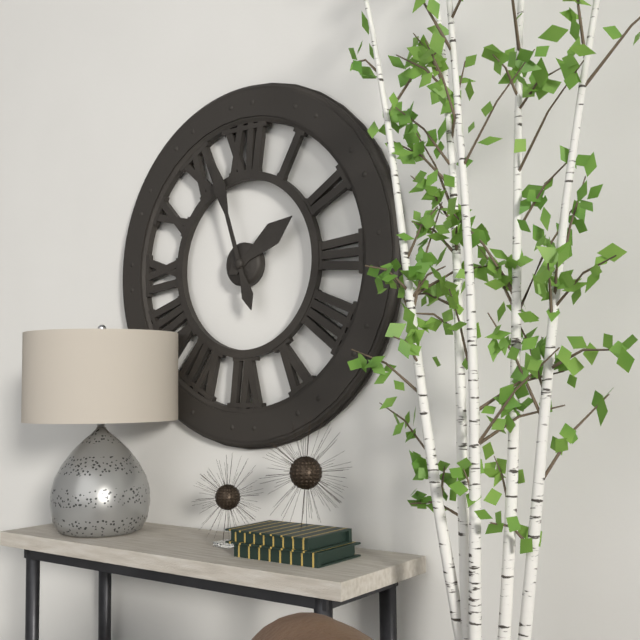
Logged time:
1:57
